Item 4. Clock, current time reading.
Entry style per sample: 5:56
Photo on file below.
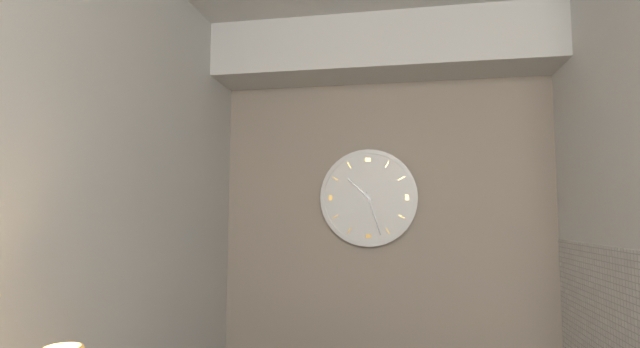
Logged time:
10:27
